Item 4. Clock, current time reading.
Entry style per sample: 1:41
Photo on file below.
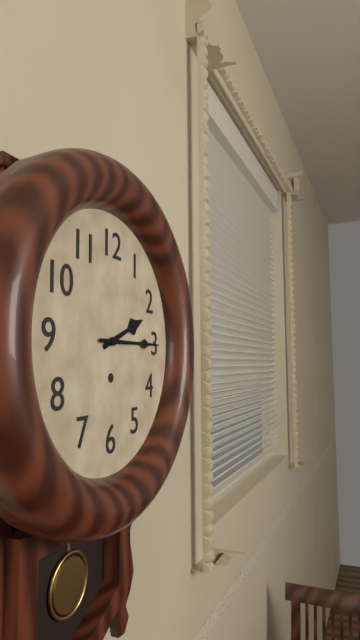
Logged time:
2:15
